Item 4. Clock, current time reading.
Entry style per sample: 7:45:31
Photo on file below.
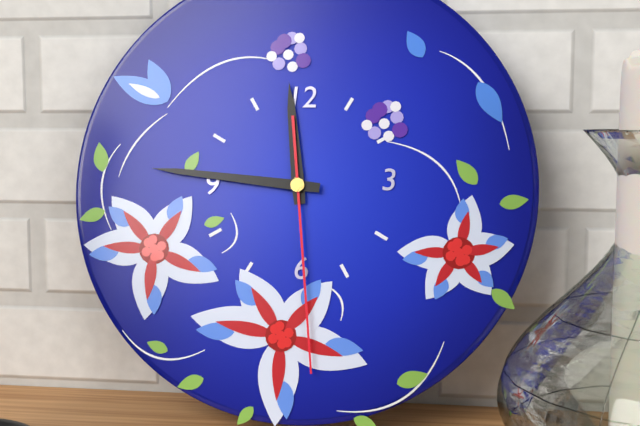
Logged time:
11:46:29
